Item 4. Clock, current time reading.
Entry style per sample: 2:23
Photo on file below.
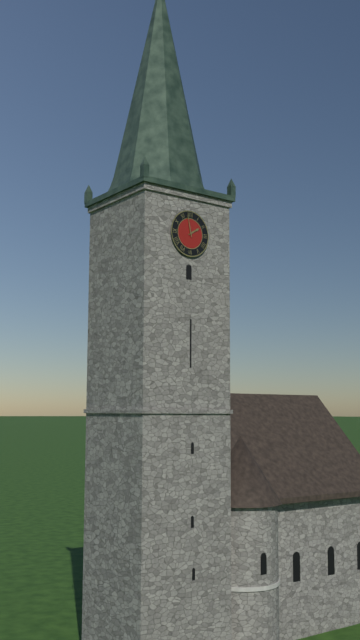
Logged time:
1:58
